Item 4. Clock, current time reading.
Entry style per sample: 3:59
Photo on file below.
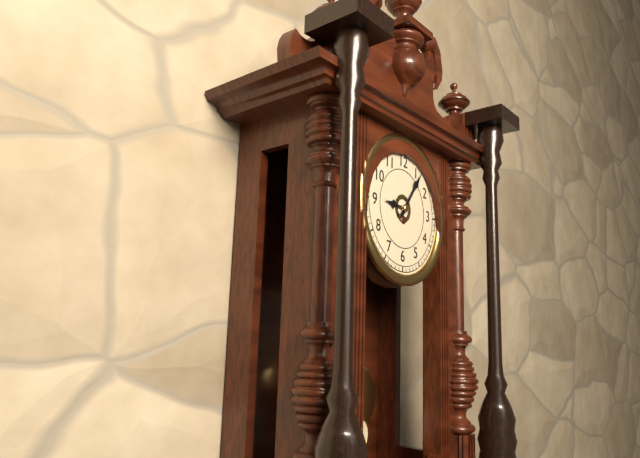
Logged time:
9:06
